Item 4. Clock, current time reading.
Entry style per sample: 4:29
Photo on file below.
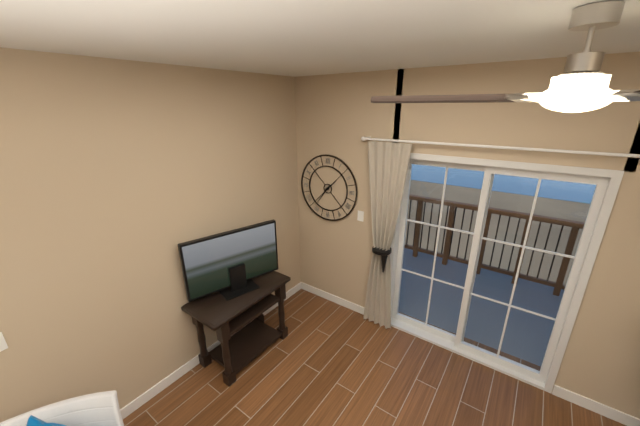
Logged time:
1:36
